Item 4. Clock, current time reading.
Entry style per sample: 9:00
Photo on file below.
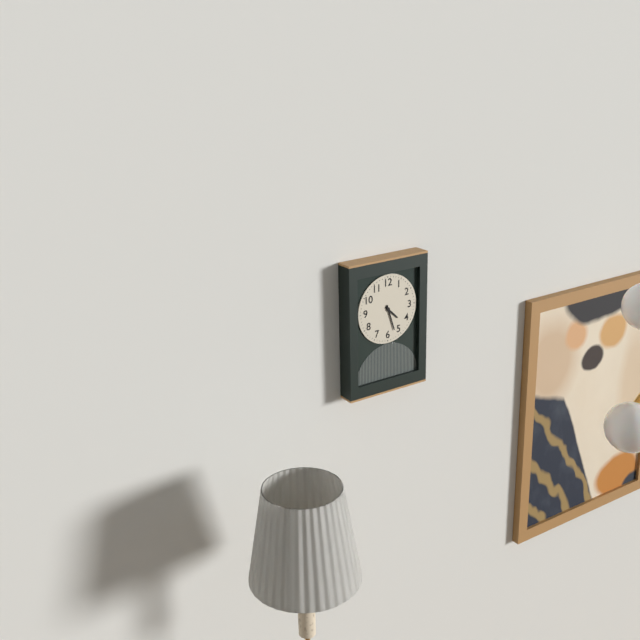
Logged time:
4:27
